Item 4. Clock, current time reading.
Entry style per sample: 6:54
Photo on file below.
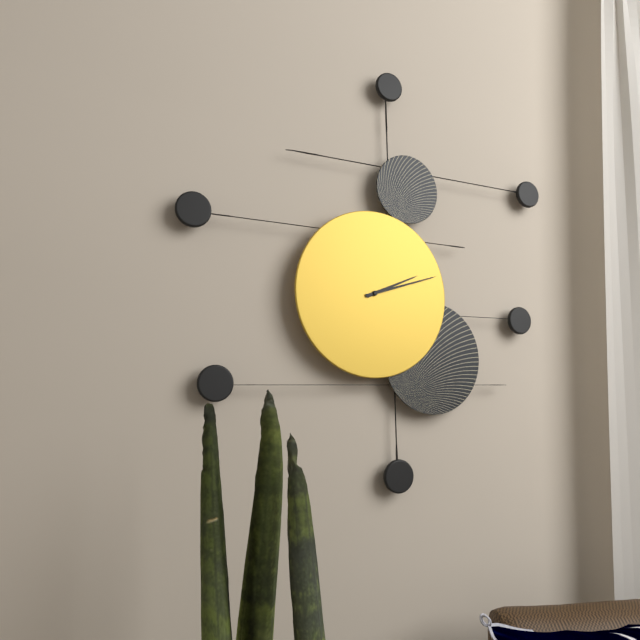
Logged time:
2:12
